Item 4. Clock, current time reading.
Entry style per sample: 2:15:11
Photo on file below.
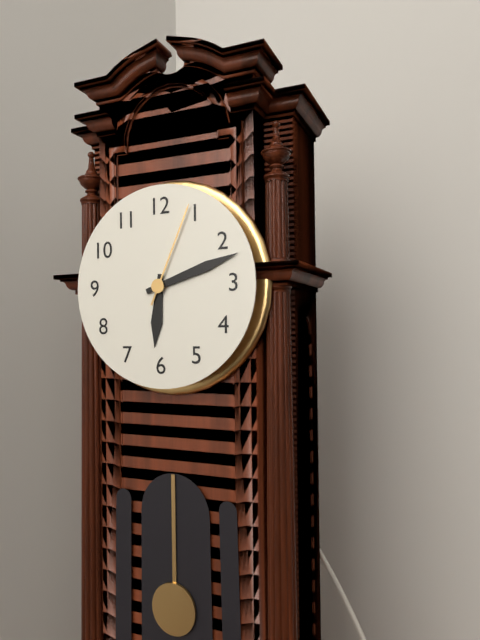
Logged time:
6:12:04
